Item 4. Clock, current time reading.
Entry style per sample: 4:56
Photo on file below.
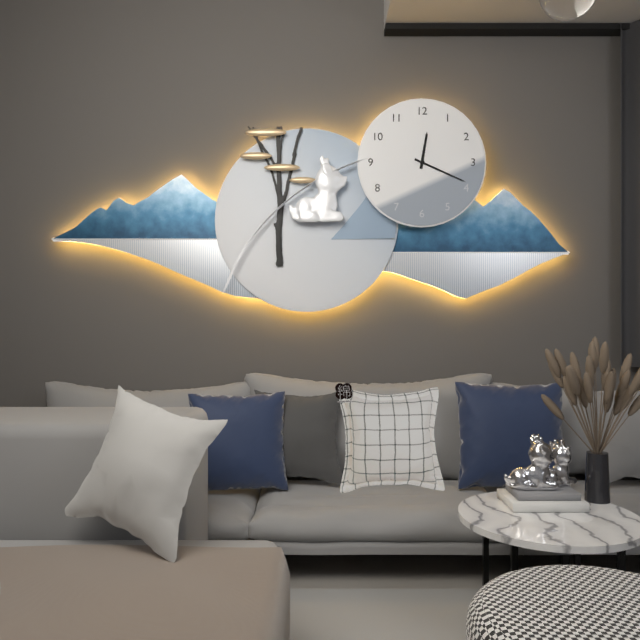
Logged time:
12:19
